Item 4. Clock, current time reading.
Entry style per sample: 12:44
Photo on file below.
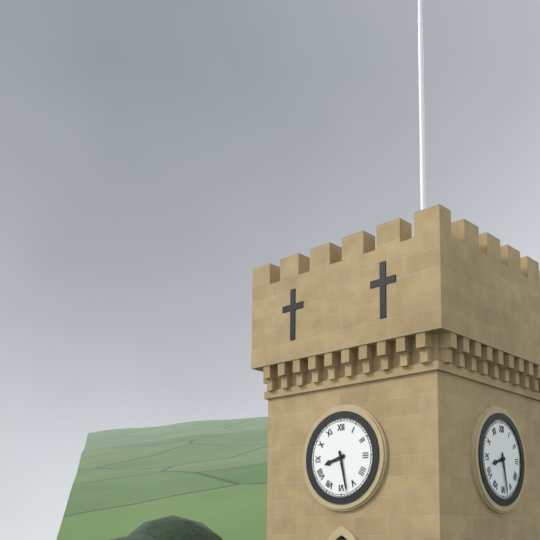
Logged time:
8:28
